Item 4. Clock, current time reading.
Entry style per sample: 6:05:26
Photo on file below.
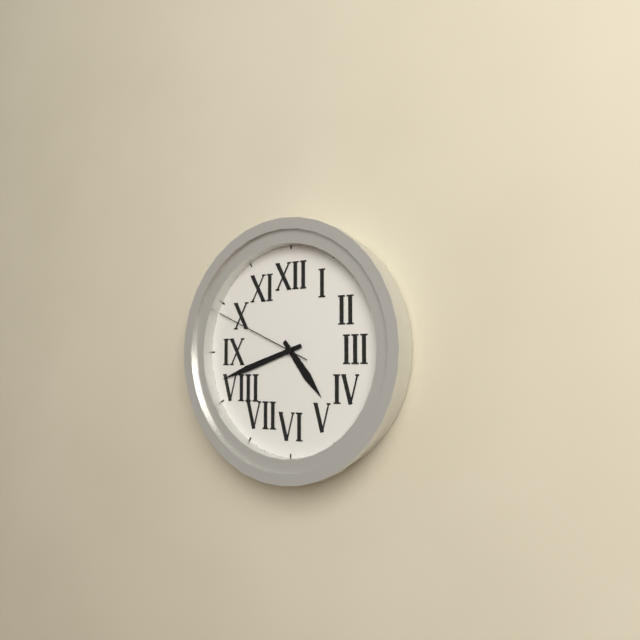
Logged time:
4:42:49
